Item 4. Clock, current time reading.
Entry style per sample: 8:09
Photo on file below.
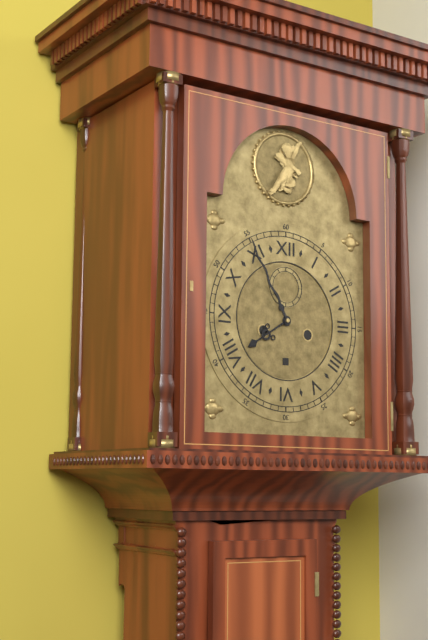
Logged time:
7:55
